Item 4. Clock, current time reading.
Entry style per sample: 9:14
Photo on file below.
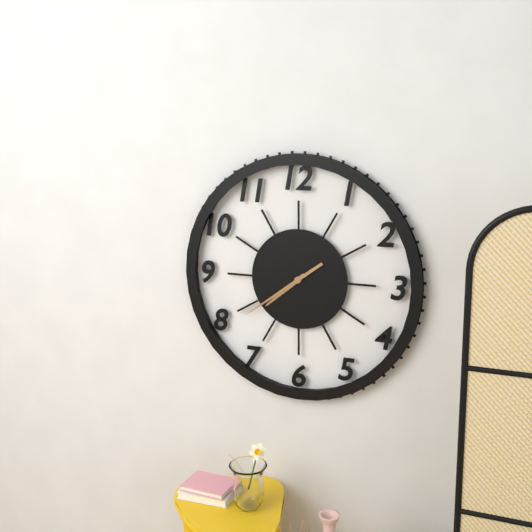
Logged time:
7:39
